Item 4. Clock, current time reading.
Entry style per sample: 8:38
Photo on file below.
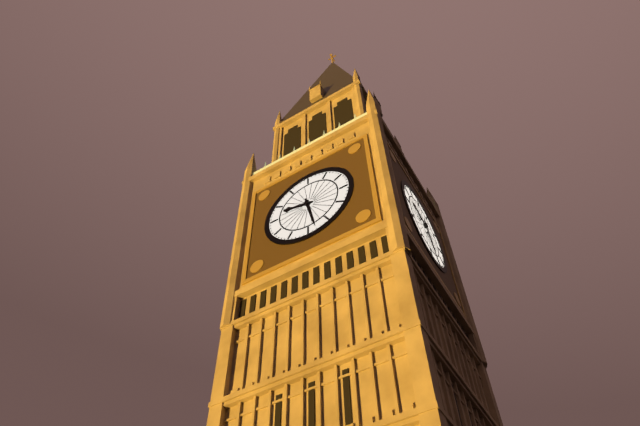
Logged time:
9:28
